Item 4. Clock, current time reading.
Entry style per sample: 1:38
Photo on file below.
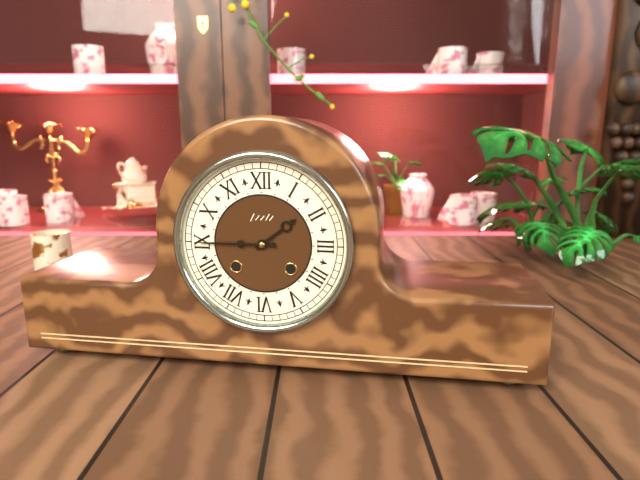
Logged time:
1:45
